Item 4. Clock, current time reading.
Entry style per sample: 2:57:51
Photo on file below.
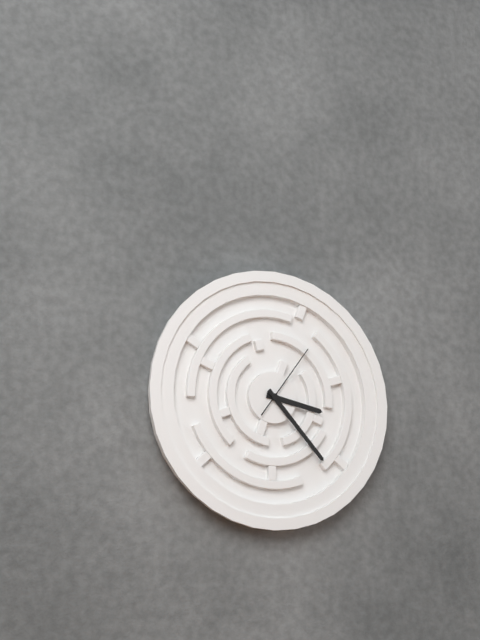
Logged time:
3:23:06
